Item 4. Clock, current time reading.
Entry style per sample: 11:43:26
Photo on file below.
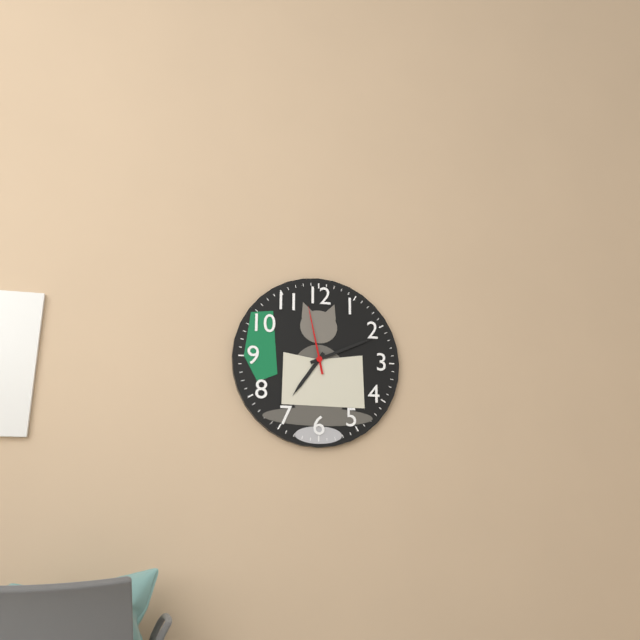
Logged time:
7:11:58
